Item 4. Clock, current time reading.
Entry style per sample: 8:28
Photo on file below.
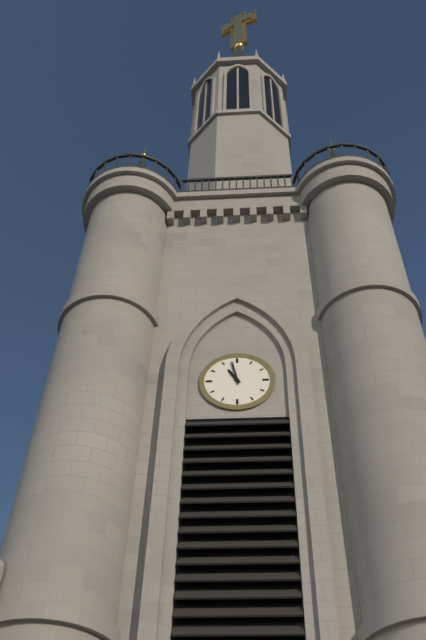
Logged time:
10:58
